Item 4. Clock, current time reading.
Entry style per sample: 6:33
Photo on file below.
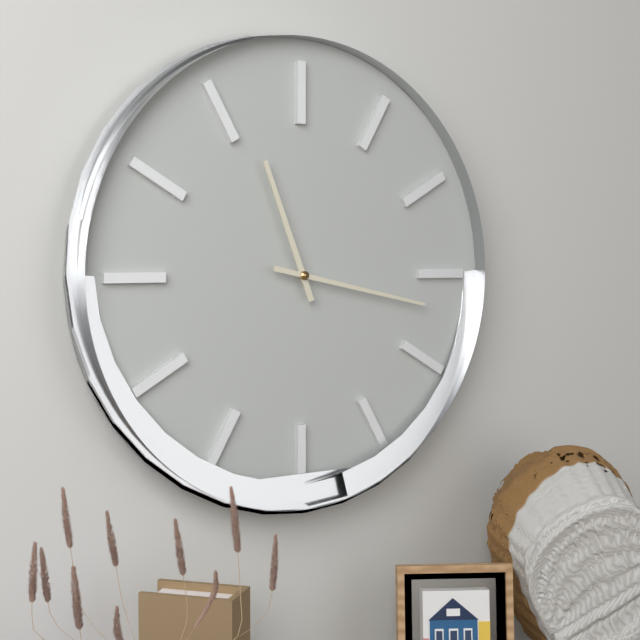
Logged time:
11:17
